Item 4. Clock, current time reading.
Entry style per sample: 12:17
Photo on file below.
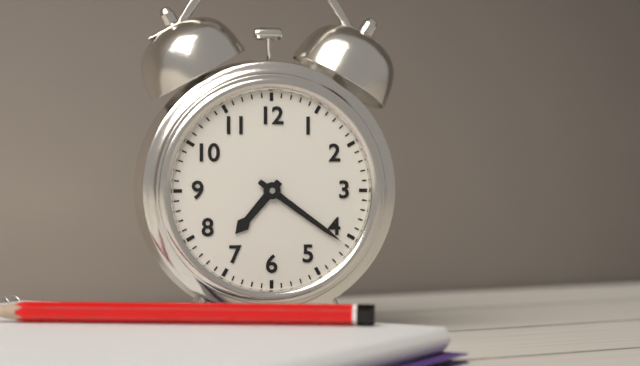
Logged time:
7:21
